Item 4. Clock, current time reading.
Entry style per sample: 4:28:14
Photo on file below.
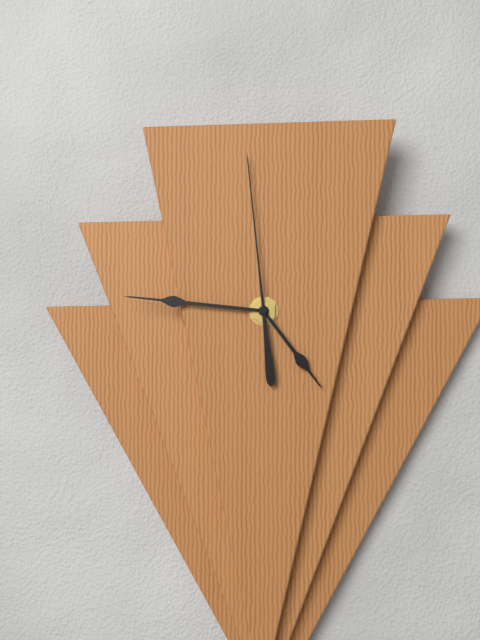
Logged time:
4:46:59
